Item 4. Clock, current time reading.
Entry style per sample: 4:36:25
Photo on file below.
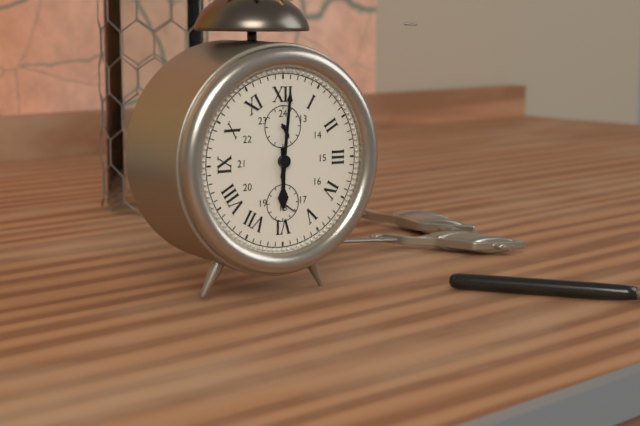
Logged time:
6:01:21
